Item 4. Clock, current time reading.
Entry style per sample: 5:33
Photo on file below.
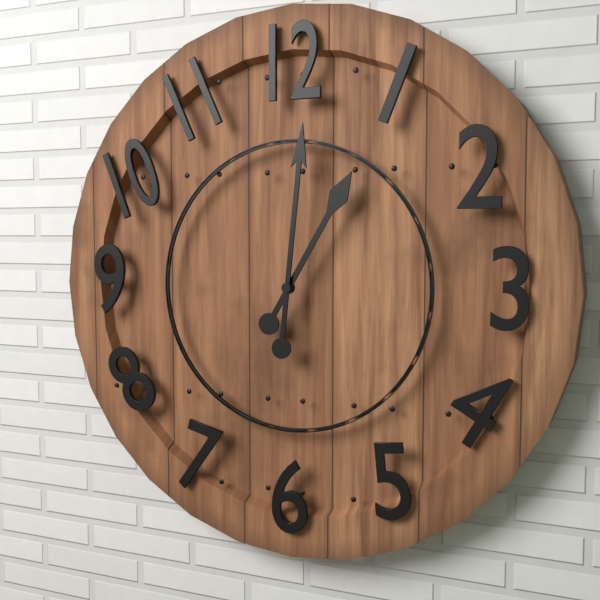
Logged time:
1:01
